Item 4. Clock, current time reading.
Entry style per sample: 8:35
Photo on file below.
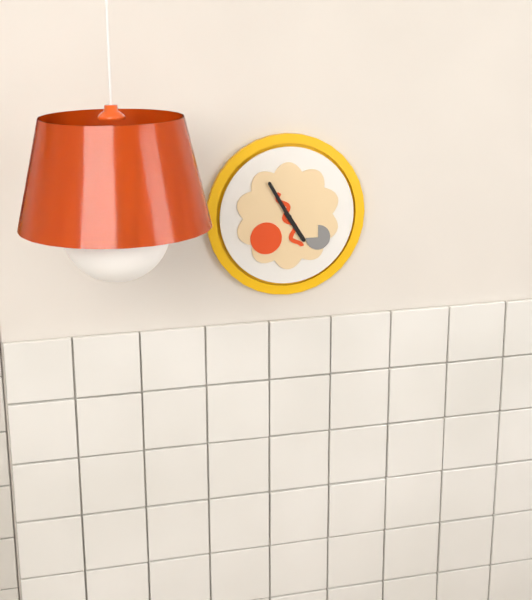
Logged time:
4:55
